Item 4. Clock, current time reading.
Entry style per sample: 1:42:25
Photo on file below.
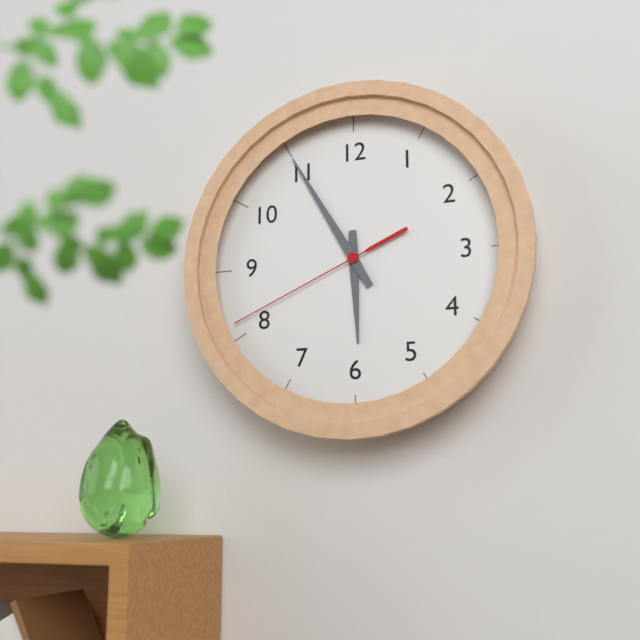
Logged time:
5:55:41
